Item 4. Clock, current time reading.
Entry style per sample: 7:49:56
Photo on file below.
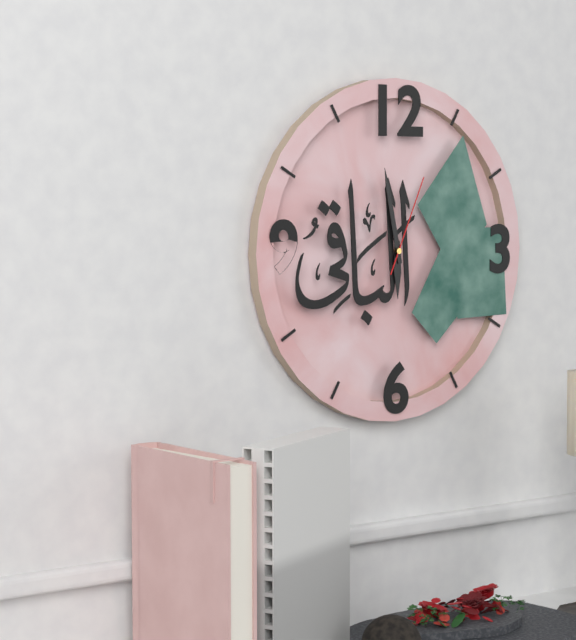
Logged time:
5:58:04
